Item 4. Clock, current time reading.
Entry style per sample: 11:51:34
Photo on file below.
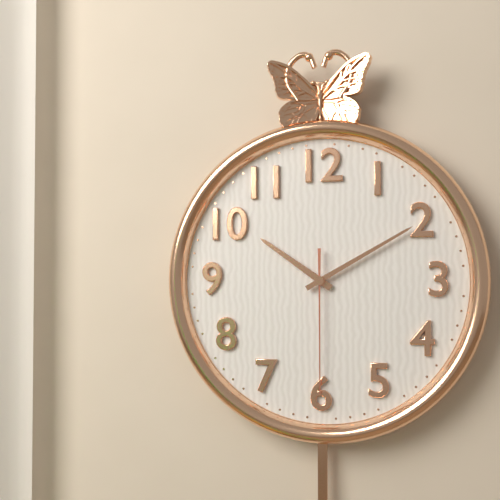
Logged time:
10:10:30
